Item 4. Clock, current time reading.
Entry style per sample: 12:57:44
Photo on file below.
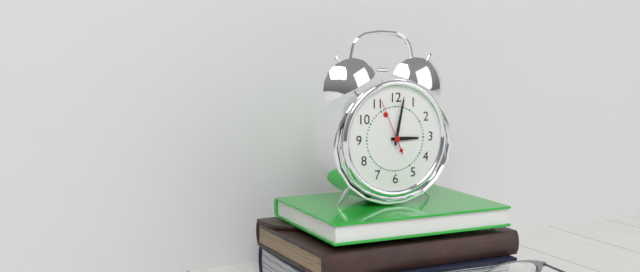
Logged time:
3:02:56
